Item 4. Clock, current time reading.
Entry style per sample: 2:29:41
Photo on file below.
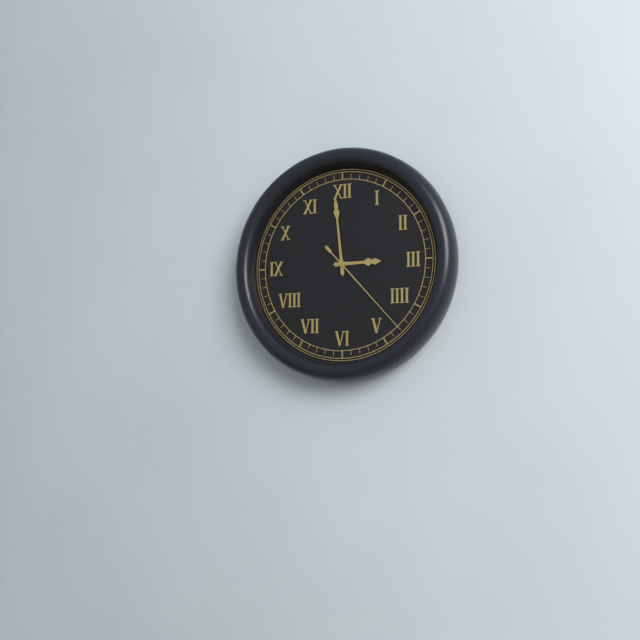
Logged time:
2:59:23
